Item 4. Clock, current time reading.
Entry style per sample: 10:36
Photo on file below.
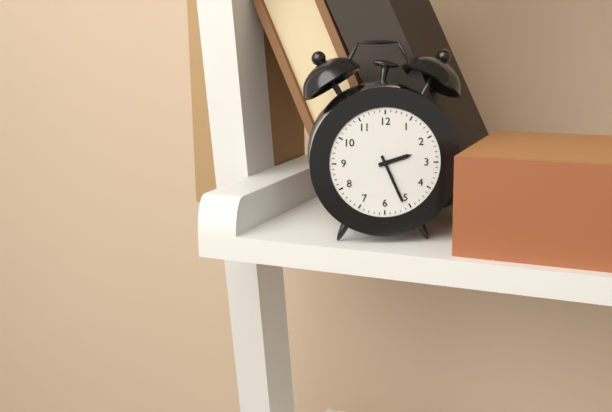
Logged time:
2:26
